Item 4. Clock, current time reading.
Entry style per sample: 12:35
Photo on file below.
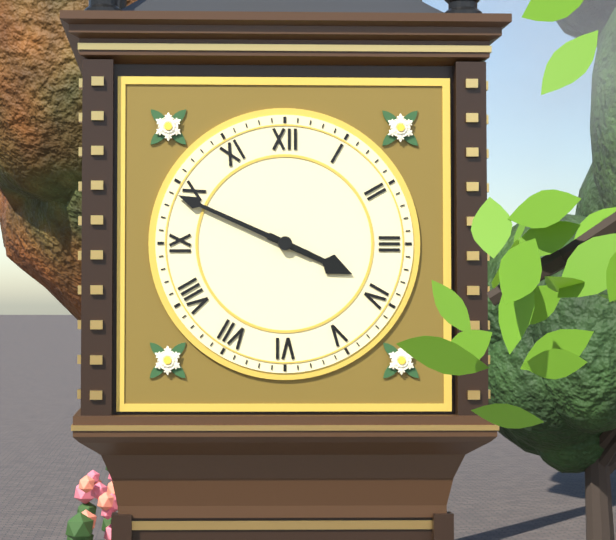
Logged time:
3:49
